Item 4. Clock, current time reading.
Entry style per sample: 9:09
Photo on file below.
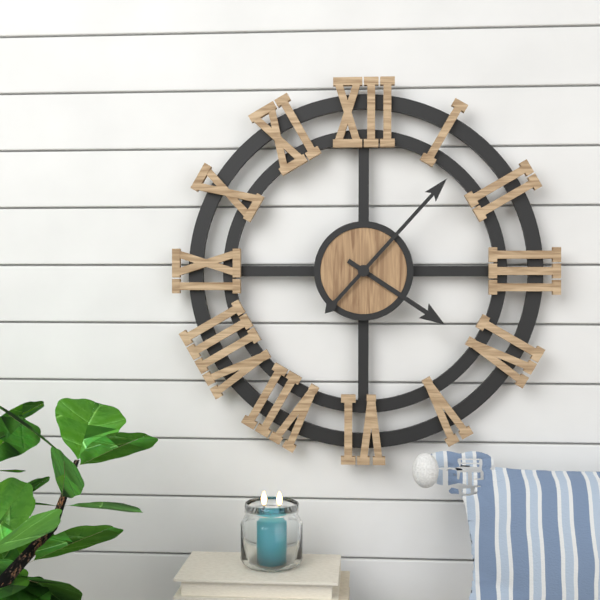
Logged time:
4:07
